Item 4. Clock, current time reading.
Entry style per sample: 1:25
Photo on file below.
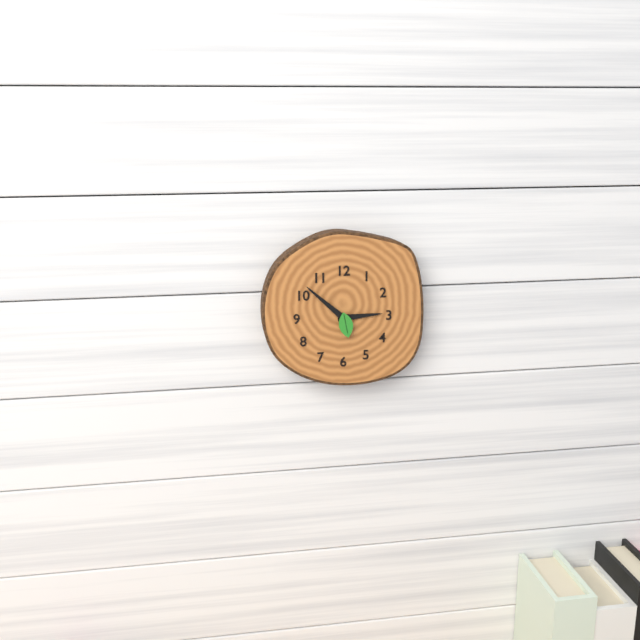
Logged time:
2:52
